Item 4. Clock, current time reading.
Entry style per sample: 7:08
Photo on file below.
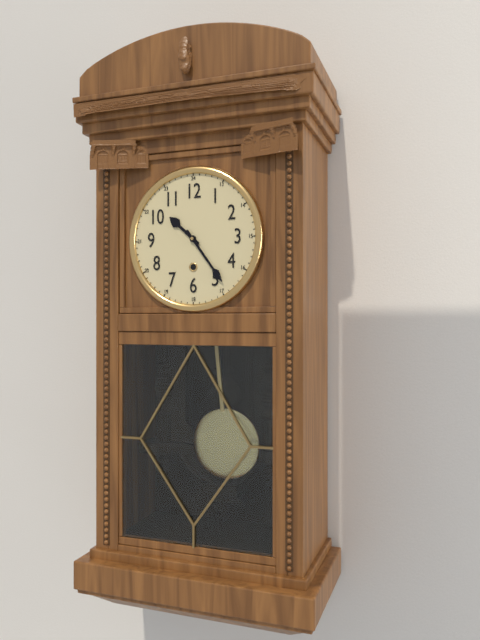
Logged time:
10:24
